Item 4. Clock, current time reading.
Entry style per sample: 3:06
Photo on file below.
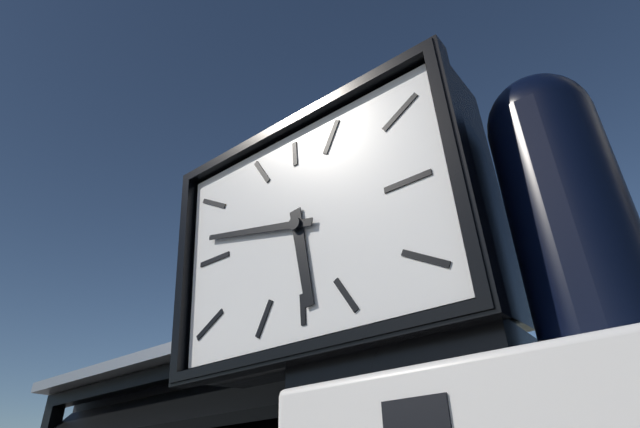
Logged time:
5:47
